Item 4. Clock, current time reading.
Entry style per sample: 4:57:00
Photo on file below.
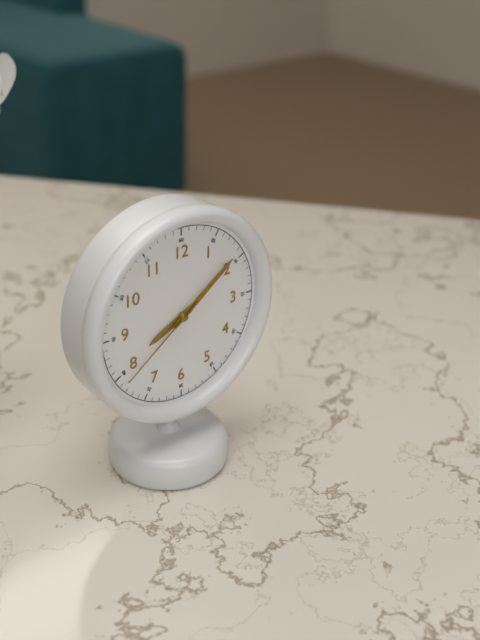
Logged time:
8:09:39
